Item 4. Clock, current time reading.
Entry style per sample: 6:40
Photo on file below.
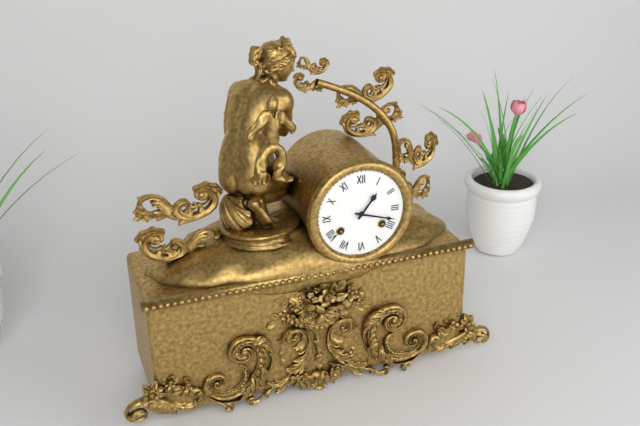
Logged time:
1:18
